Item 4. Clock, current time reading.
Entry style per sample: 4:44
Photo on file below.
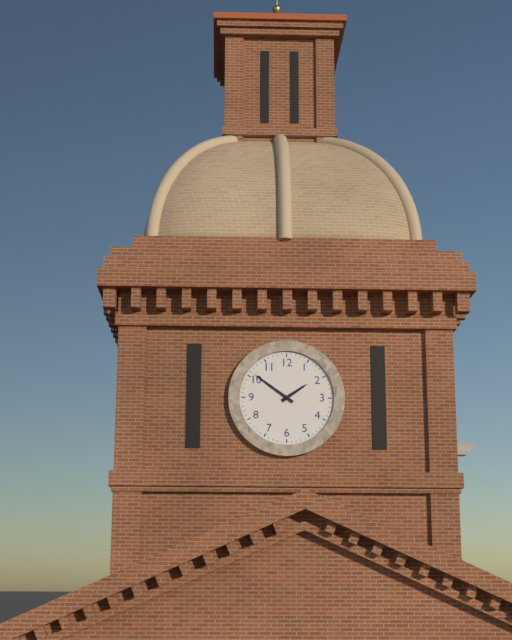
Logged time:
1:51
